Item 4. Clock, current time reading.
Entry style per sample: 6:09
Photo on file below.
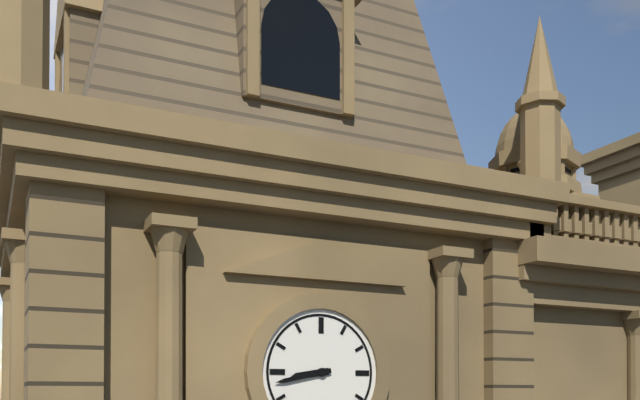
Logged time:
8:43
